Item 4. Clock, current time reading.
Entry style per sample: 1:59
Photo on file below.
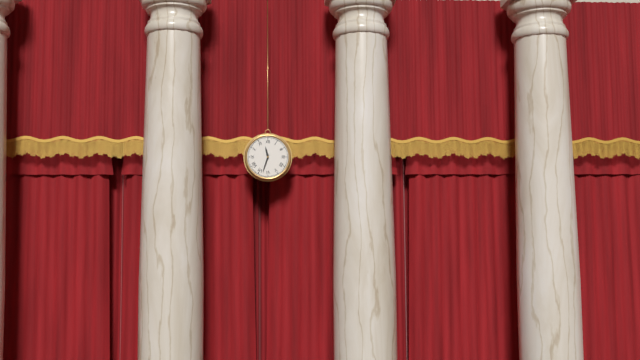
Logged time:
11:33
